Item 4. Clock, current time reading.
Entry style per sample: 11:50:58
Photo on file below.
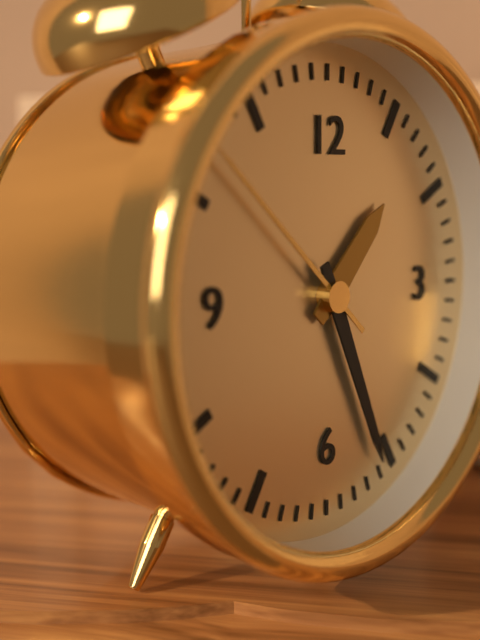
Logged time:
1:26:52
